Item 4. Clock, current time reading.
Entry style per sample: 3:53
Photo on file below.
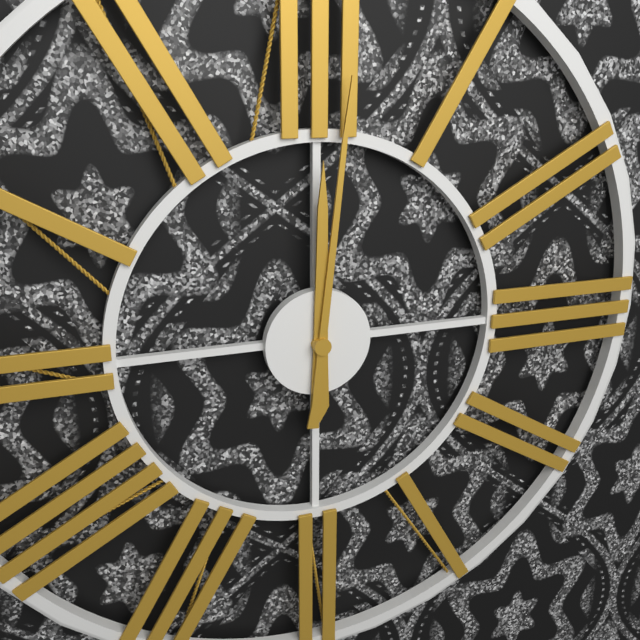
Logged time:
12:01
